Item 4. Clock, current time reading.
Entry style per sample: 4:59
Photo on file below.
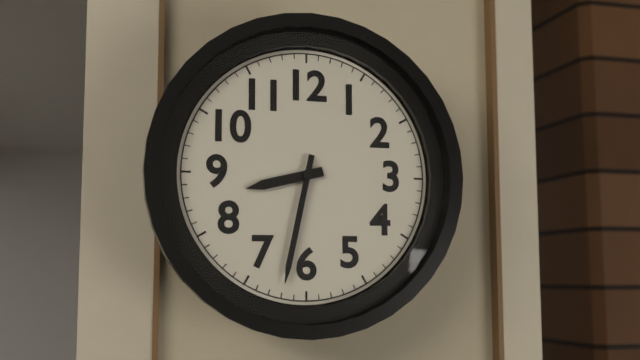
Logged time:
8:32
